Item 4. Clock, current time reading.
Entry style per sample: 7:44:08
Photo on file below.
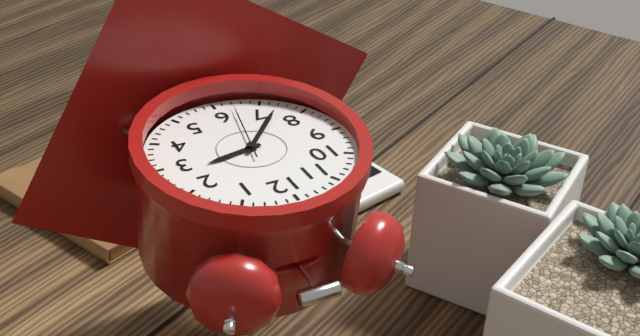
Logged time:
2:37:32
